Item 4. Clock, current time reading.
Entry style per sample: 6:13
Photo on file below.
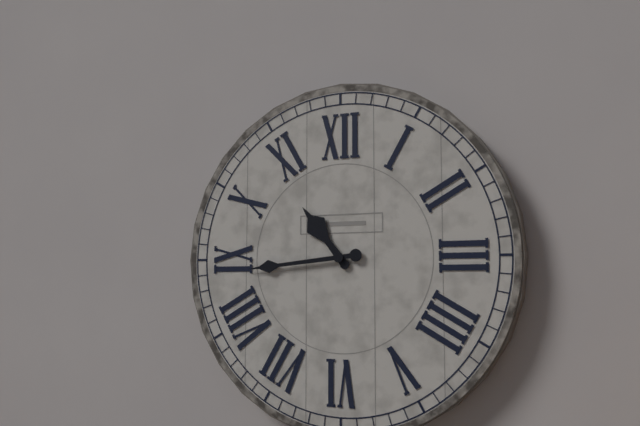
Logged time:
10:44
